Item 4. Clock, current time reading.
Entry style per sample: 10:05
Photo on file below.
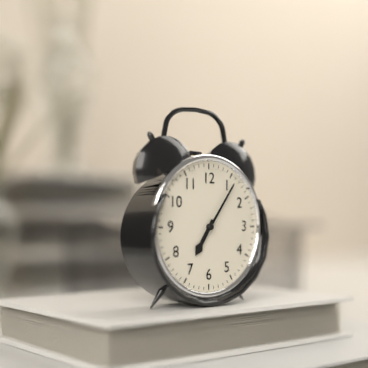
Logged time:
7:06
